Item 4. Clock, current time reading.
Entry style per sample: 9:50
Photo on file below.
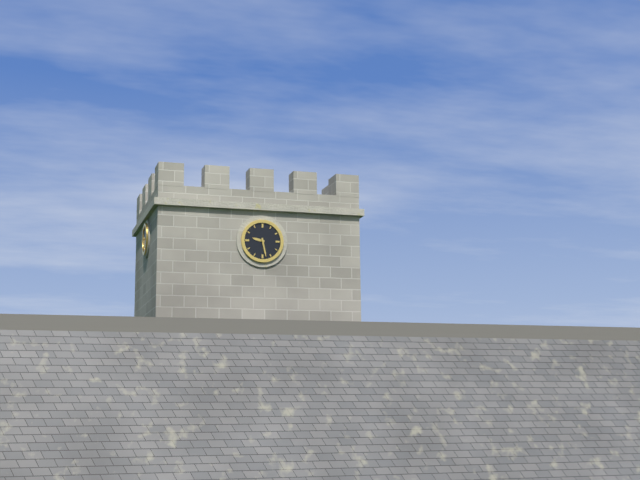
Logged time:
9:28
